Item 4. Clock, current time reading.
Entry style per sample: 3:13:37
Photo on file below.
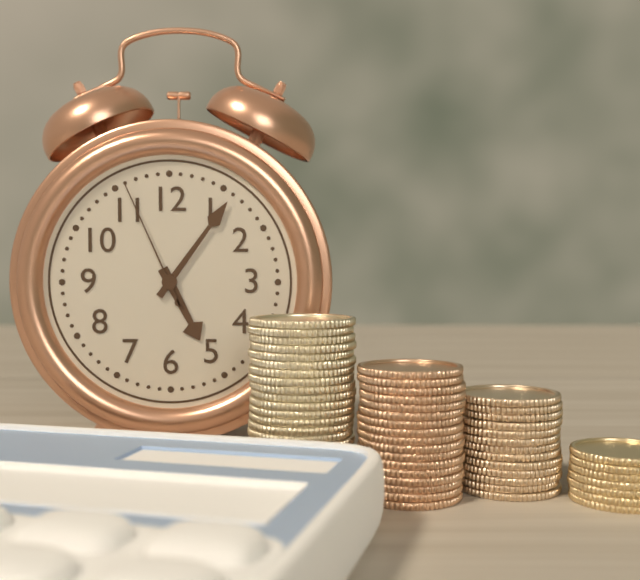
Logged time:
5:06:56
